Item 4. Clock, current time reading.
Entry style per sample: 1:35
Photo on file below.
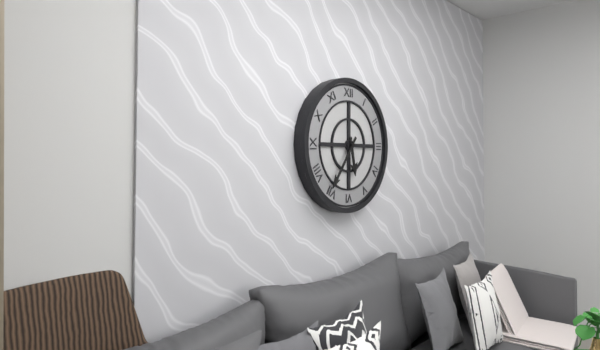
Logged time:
5:36
